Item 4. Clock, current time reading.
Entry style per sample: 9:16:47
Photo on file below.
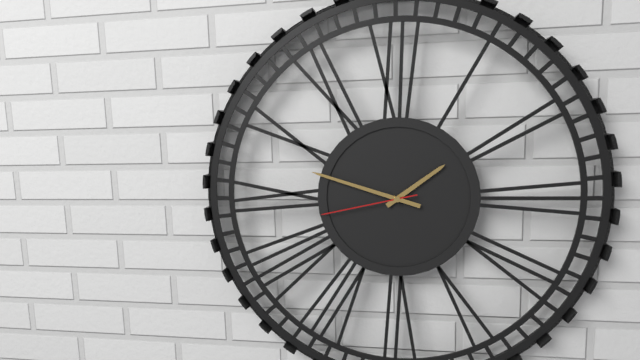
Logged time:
1:48:43
